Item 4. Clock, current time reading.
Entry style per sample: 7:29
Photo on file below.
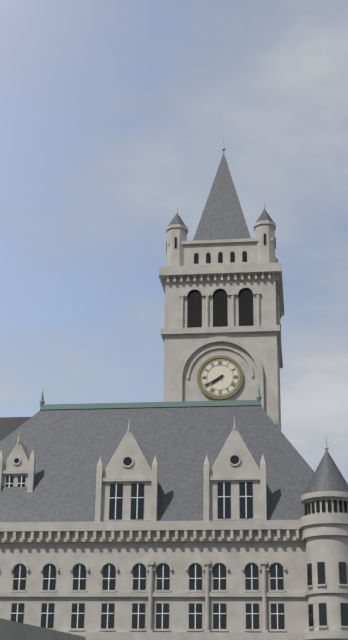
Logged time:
7:40
